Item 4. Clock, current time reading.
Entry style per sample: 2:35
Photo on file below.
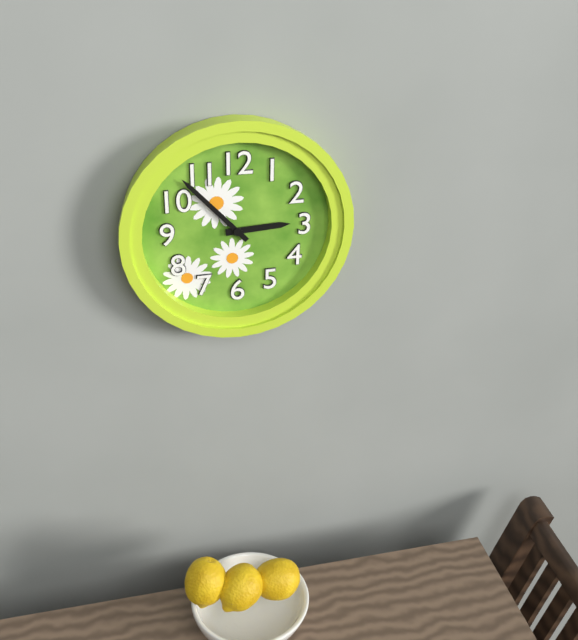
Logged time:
2:53
